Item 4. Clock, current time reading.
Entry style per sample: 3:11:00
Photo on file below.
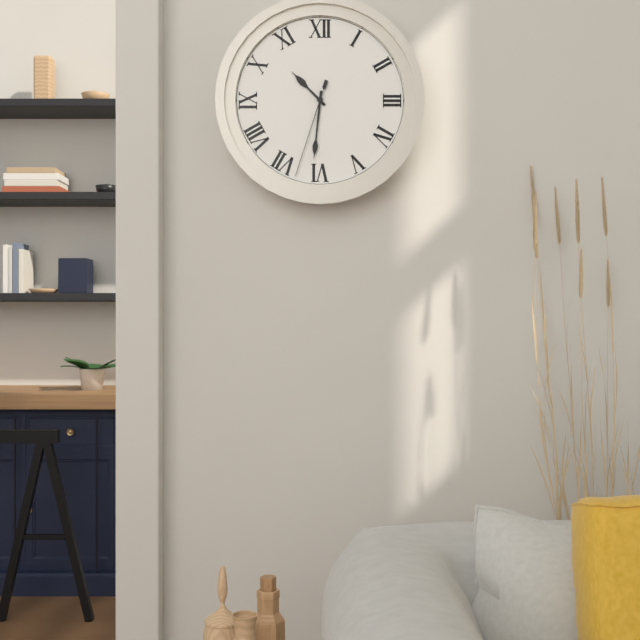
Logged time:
10:31:33
